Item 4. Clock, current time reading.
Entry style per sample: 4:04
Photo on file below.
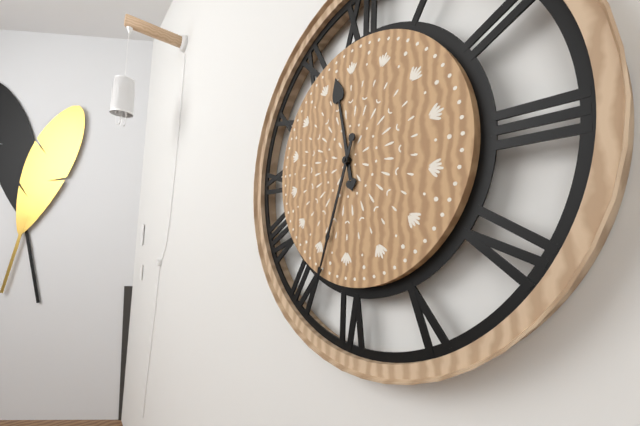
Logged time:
11:33
